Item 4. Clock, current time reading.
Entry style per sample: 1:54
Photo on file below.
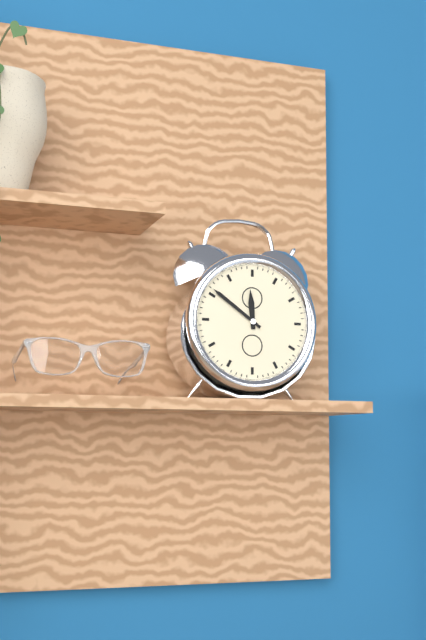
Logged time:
11:51
